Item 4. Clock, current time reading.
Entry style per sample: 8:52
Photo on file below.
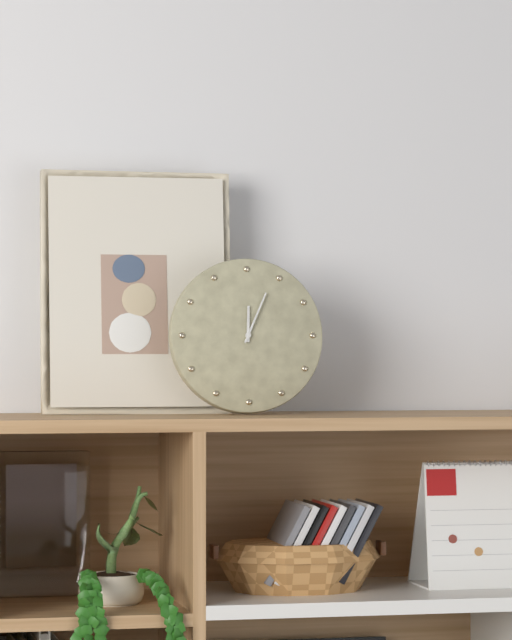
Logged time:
12:04
